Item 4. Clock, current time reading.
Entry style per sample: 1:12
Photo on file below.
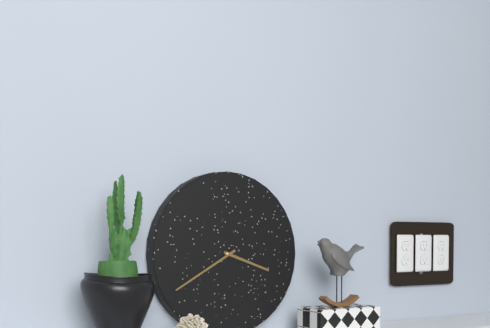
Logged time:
3:40
